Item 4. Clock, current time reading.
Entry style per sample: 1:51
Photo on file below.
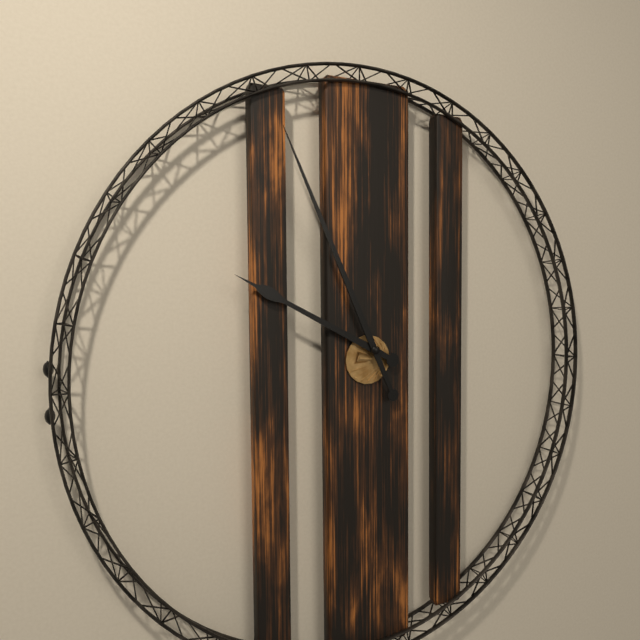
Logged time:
9:56
